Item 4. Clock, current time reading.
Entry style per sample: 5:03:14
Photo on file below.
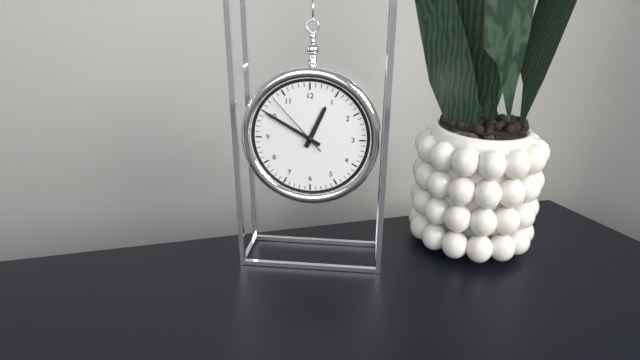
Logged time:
12:50:53
